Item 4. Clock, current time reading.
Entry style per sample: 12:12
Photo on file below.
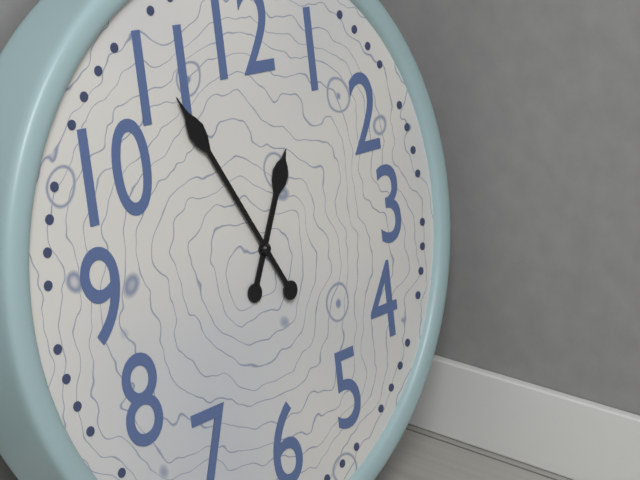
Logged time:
12:55
